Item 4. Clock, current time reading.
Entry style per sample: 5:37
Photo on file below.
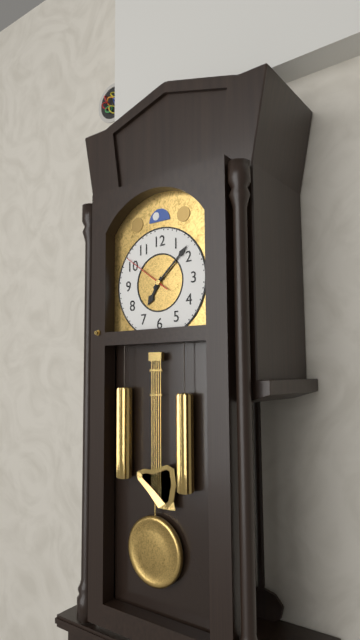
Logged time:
7:08
